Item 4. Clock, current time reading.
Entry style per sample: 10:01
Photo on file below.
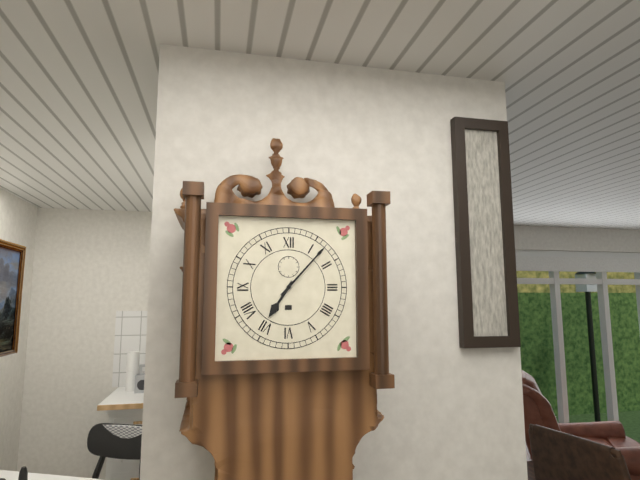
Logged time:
7:07
